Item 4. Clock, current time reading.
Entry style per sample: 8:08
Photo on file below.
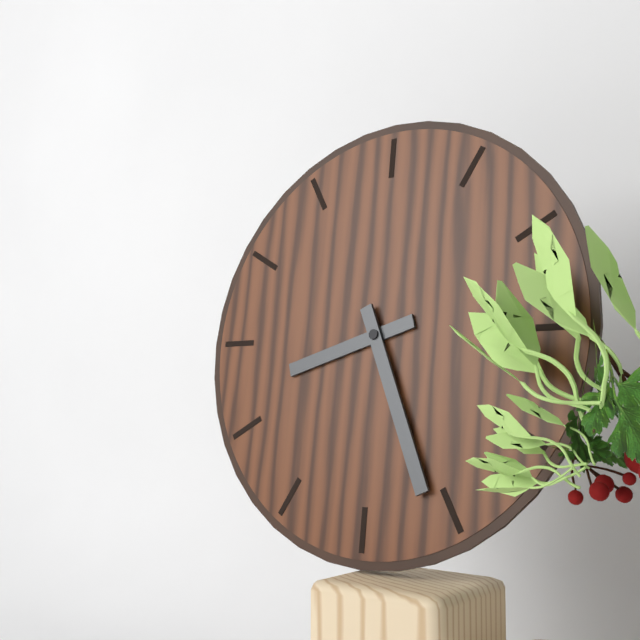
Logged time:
8:26
